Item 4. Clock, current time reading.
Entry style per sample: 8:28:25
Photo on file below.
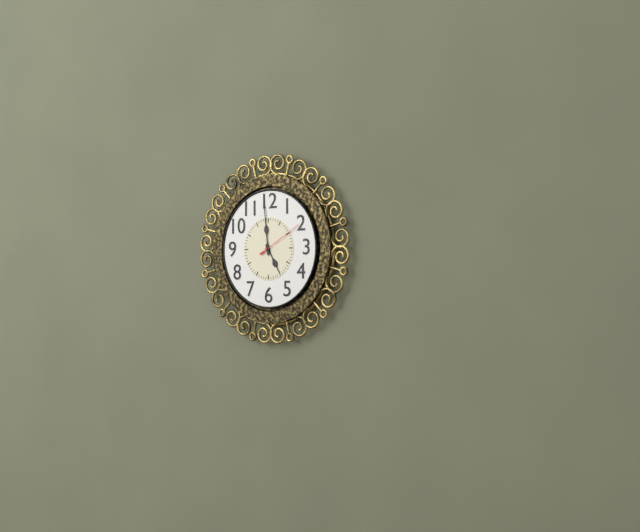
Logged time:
4:59:10
